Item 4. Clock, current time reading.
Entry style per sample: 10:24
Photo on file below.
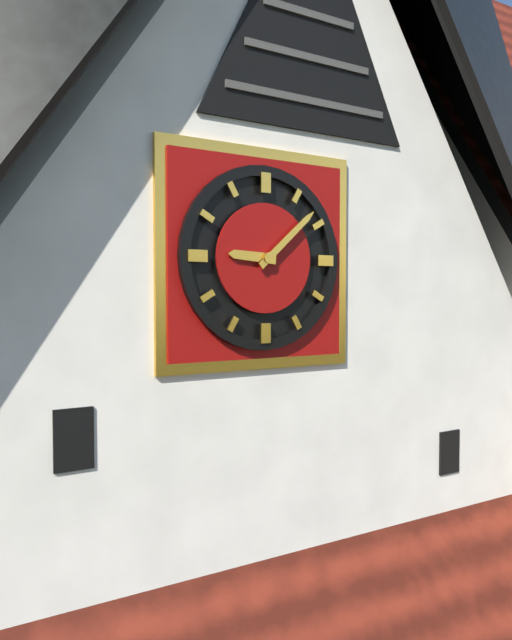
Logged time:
9:08
